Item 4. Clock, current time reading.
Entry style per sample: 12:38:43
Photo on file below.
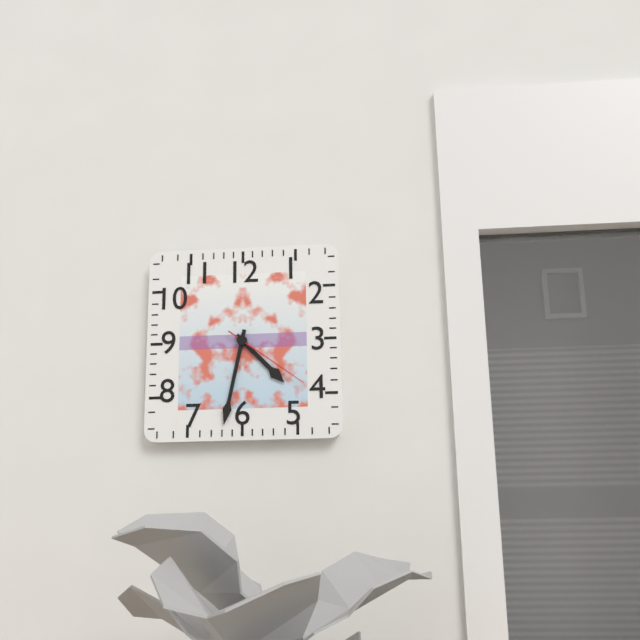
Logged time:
4:32:21
